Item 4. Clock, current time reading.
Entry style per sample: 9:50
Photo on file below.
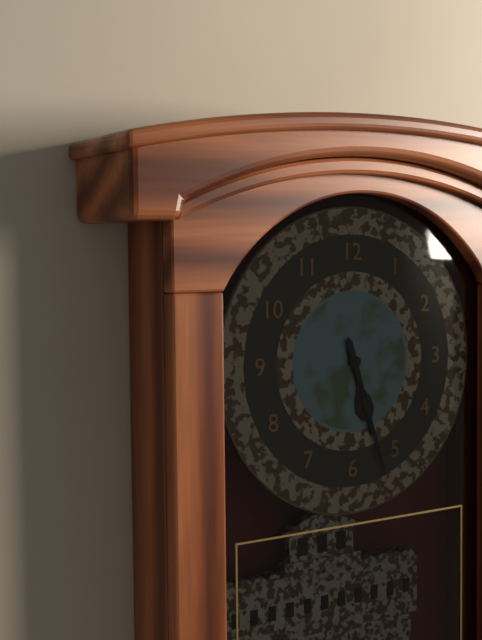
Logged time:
5:27
